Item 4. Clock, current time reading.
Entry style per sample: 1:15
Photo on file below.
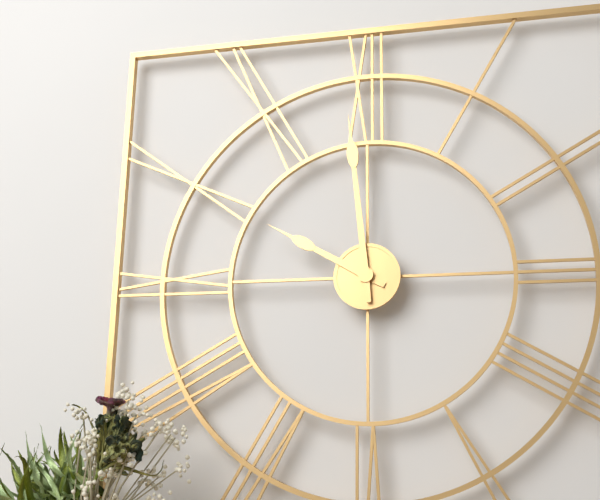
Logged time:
9:59
